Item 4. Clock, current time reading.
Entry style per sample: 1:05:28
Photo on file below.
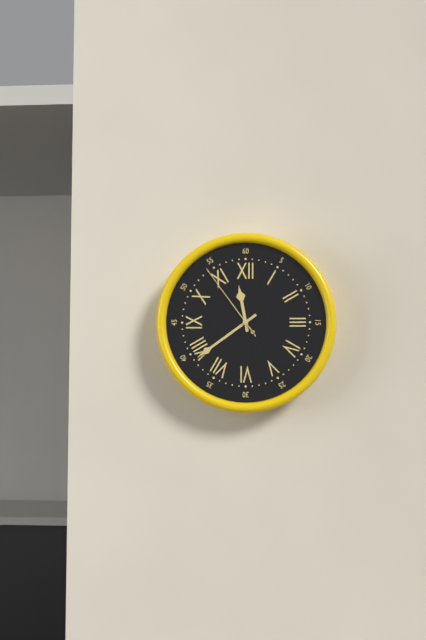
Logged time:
11:39:54
